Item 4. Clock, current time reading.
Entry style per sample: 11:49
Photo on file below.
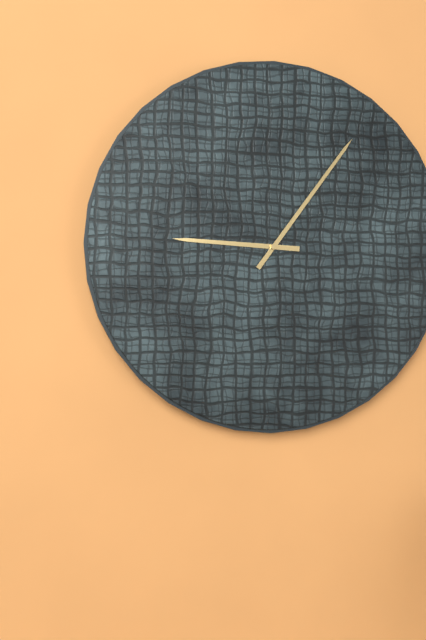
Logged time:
9:06
